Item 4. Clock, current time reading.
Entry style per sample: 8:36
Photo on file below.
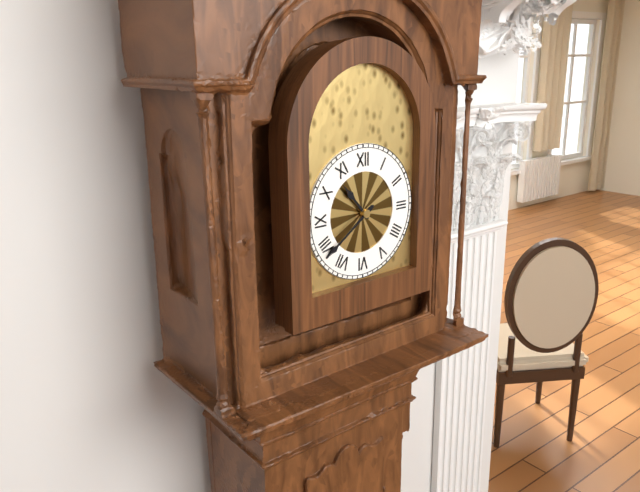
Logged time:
10:39
